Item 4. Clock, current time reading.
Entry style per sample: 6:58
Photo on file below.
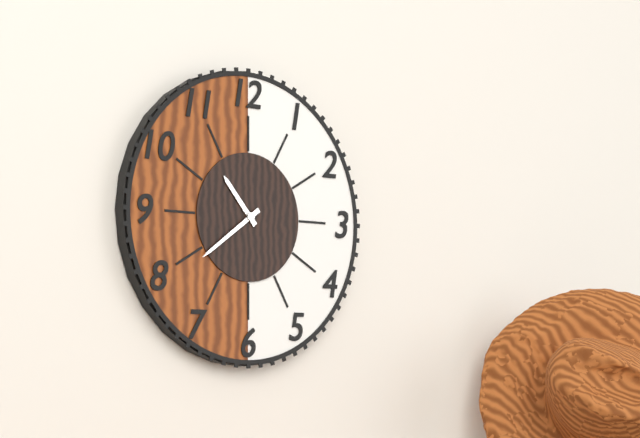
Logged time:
10:39
